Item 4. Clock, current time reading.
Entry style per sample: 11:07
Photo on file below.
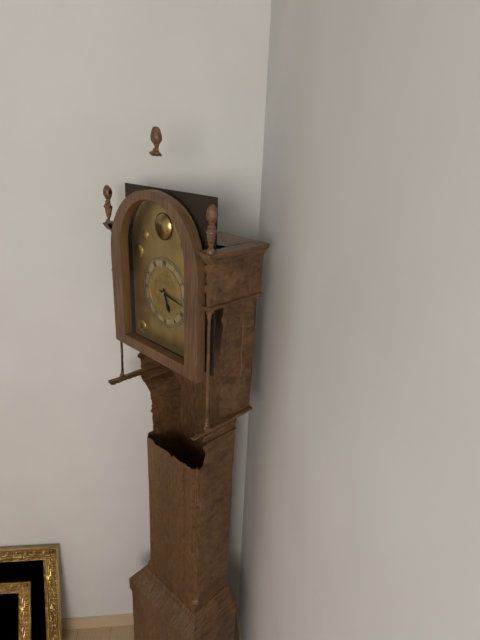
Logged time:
5:17
